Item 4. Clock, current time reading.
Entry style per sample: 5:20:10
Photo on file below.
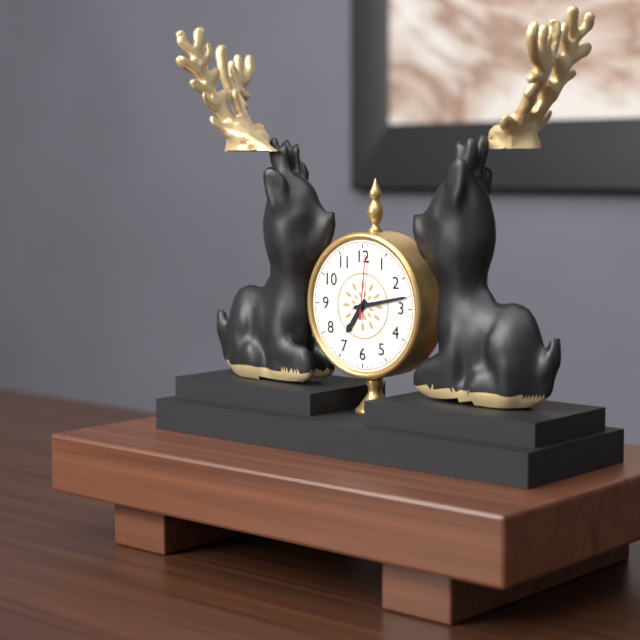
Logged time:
7:13:01
